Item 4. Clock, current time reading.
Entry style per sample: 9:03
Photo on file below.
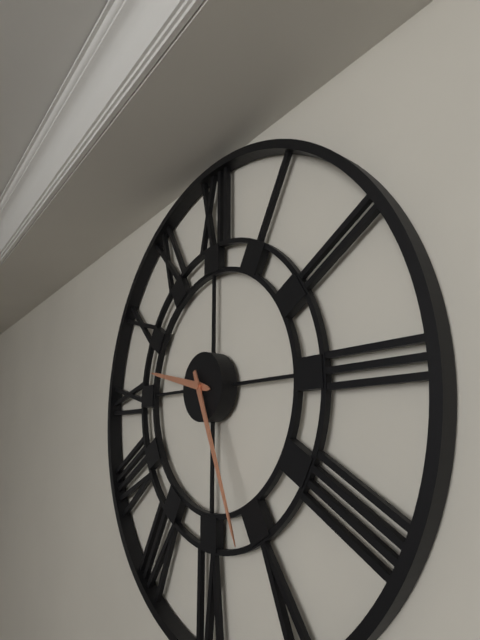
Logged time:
9:26
